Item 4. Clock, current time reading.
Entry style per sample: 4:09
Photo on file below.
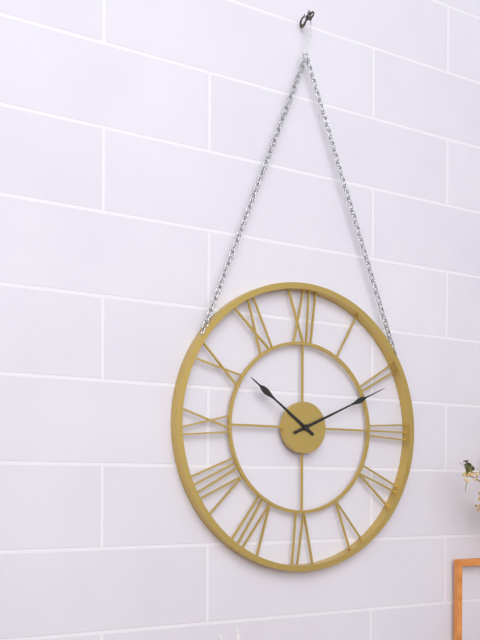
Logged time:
10:11
